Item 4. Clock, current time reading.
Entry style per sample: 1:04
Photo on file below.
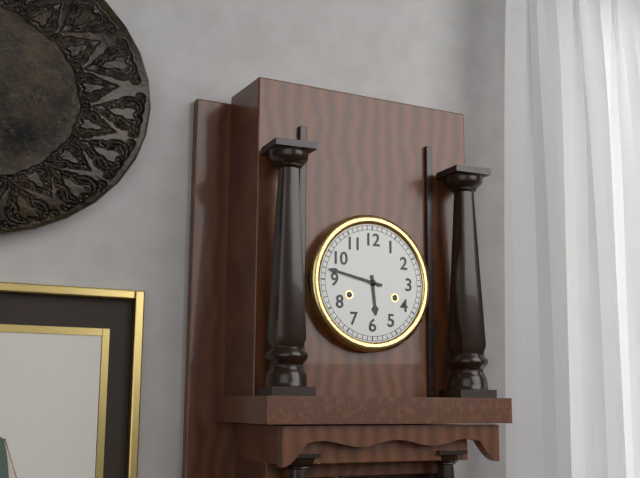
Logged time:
5:47
